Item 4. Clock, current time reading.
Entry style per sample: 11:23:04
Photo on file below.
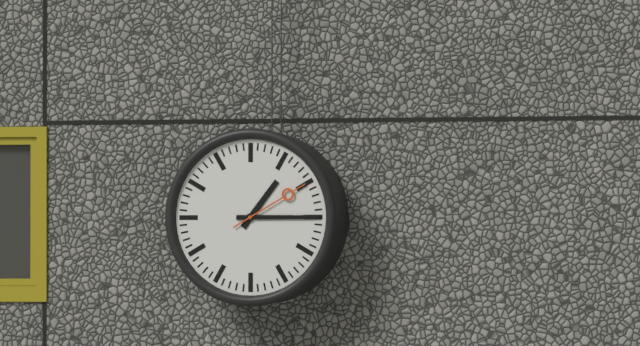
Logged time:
1:15:10
